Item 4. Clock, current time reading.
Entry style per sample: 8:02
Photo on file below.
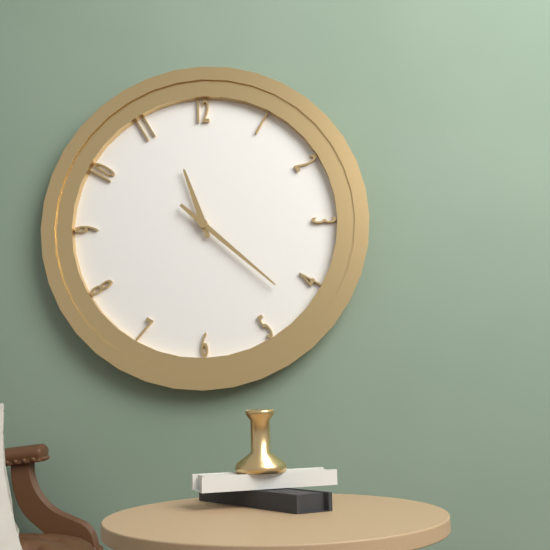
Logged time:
11:22
